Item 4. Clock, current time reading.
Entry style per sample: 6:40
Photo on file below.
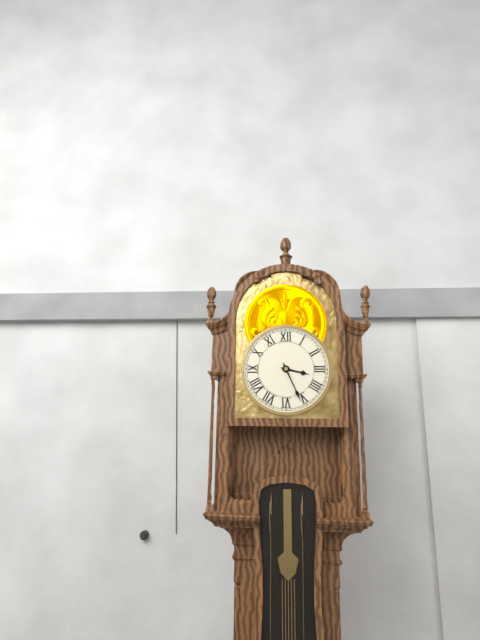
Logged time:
3:26
